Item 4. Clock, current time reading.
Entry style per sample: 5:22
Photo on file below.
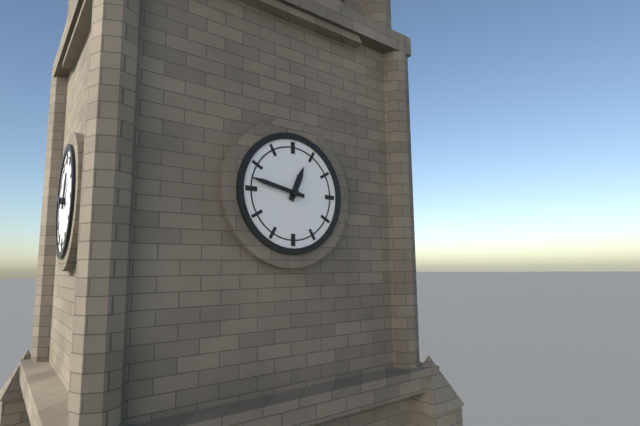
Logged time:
12:47
